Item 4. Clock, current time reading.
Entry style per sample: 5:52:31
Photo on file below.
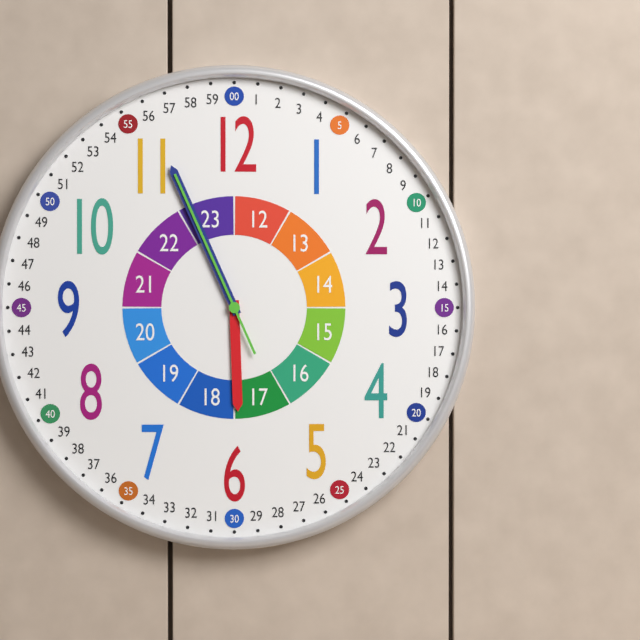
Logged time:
5:56:56
